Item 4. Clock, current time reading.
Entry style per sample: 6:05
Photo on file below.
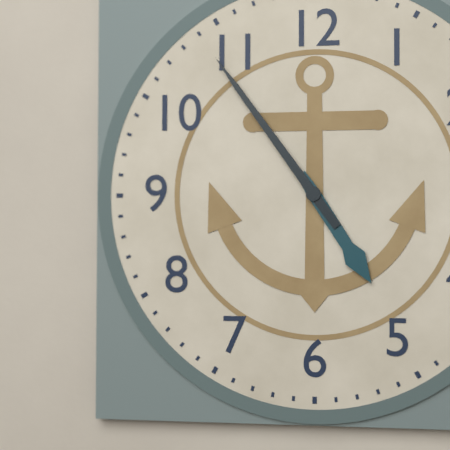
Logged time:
4:54
